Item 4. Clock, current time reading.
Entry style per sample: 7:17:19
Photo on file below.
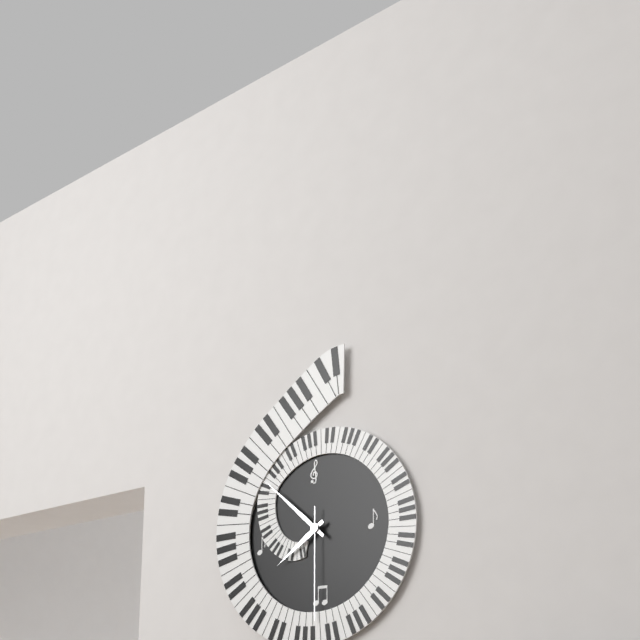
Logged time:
7:52:30
